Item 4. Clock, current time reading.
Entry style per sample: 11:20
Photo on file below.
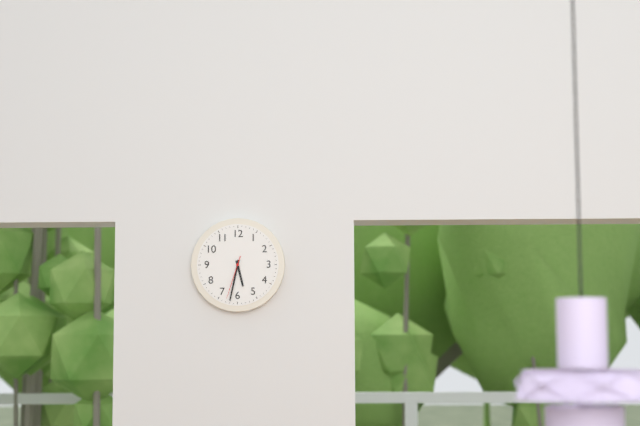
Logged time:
5:32
